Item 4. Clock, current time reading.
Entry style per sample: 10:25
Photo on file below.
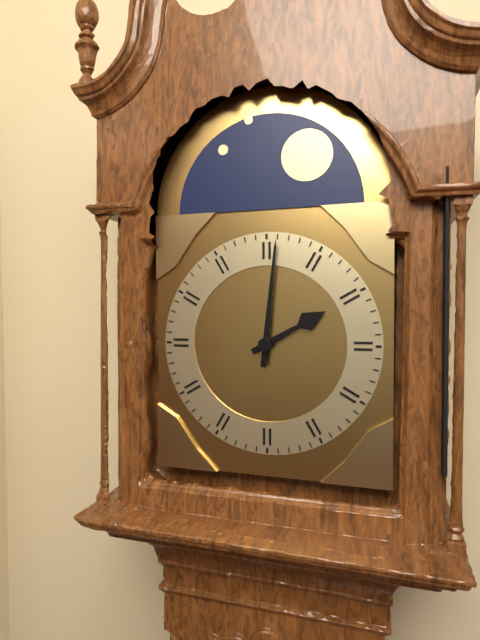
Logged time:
2:01
